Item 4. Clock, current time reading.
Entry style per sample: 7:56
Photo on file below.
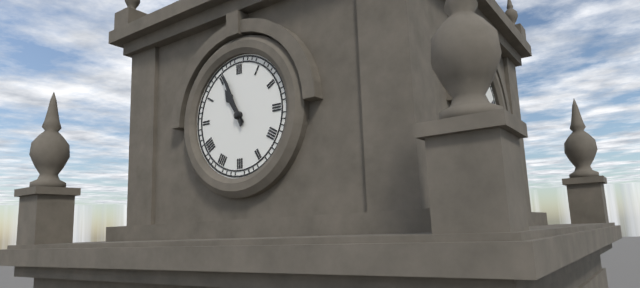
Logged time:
10:56
